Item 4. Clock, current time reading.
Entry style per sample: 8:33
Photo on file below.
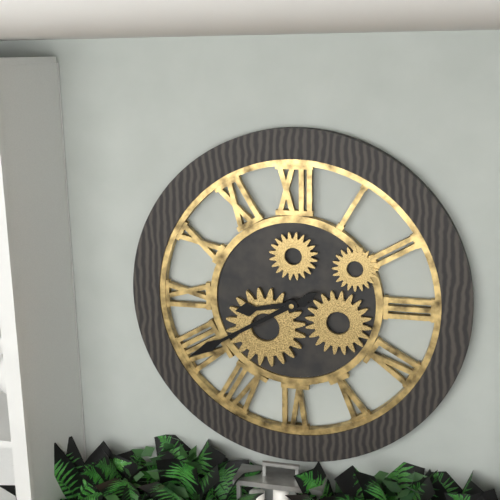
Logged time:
8:40
